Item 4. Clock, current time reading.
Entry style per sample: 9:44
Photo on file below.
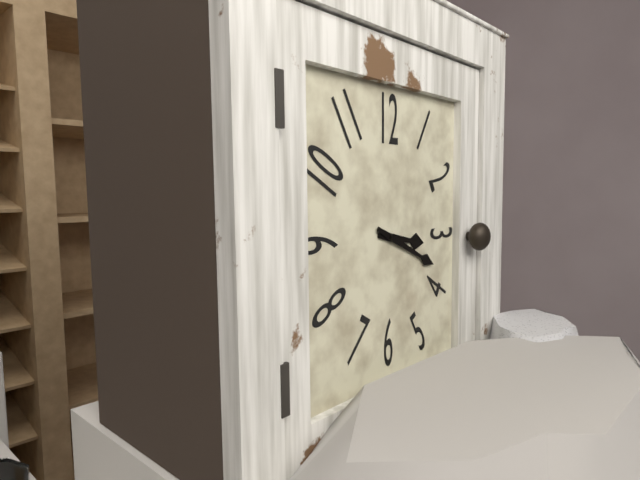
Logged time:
3:19
